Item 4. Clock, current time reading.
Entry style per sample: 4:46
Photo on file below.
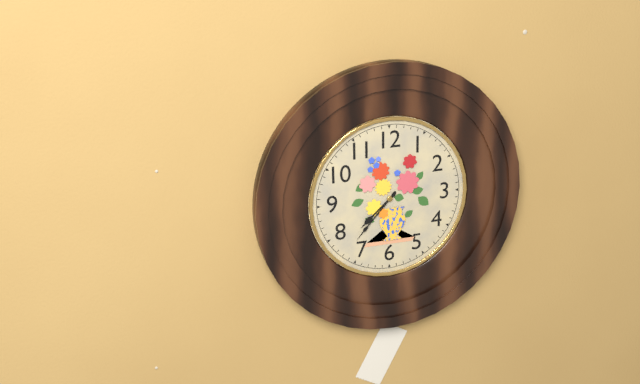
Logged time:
7:37
